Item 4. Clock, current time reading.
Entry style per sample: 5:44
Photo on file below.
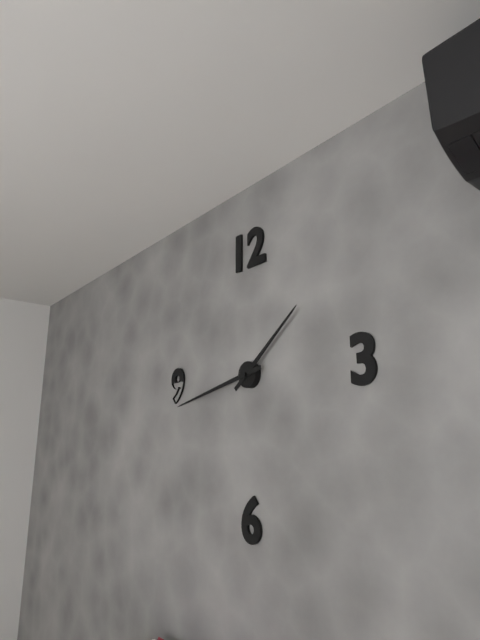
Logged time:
1:43
